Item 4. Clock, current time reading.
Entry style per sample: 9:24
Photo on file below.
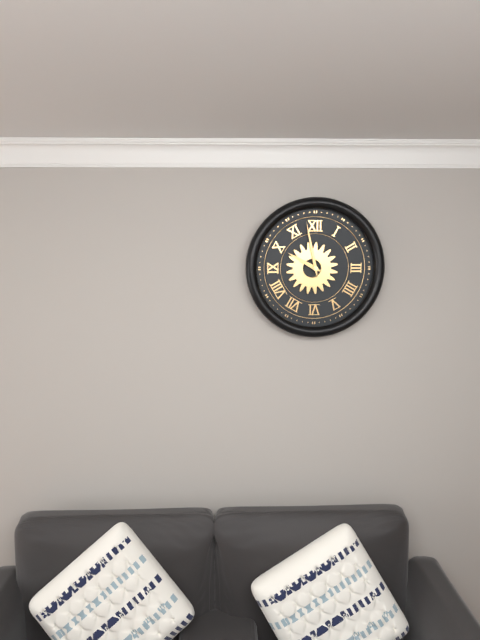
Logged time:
9:58
